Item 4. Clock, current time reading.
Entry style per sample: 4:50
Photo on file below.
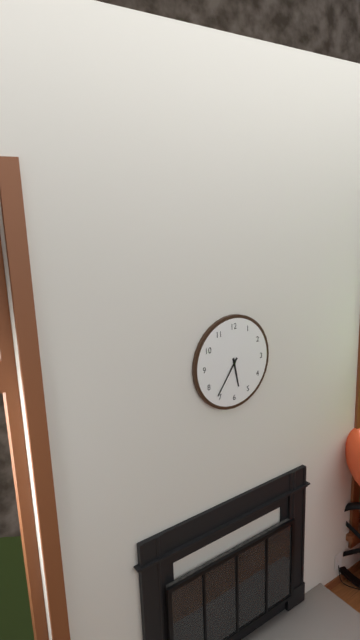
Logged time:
5:36
